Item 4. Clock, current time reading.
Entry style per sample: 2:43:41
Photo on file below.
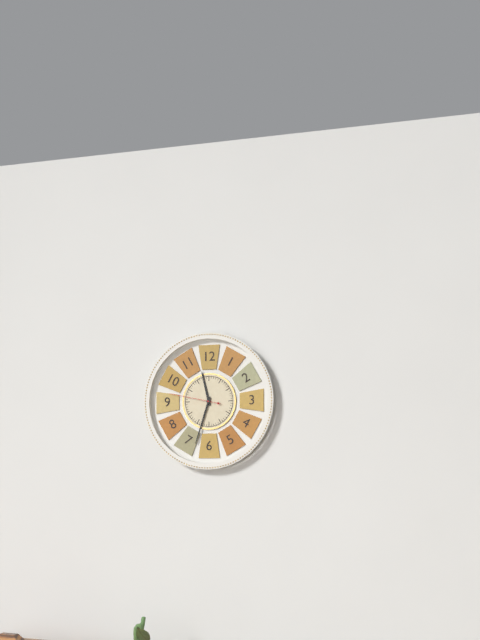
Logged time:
11:33:47
